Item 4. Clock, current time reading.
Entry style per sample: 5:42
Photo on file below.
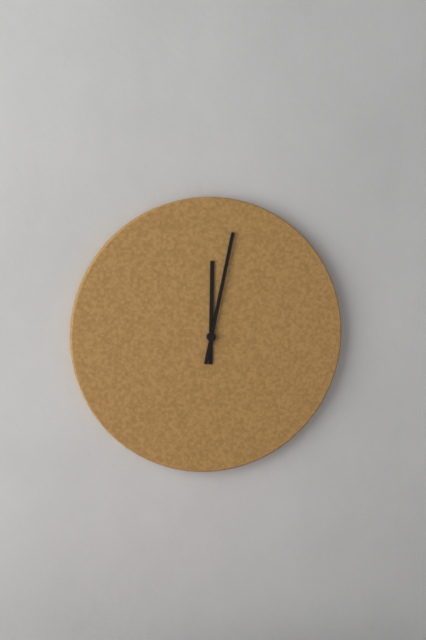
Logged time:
12:02
